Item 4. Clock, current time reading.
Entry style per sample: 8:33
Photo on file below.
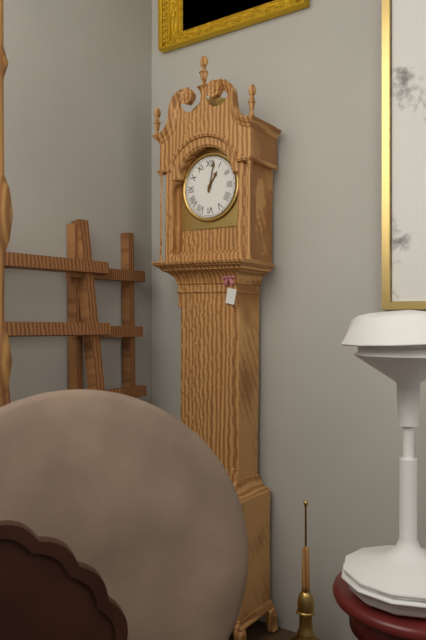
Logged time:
1:02
